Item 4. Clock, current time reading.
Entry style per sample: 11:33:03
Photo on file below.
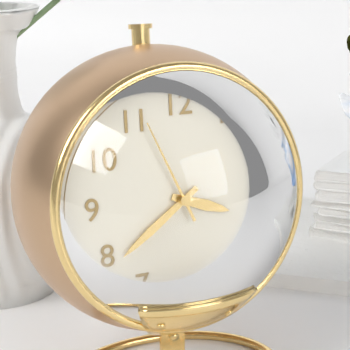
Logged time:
3:39:56
